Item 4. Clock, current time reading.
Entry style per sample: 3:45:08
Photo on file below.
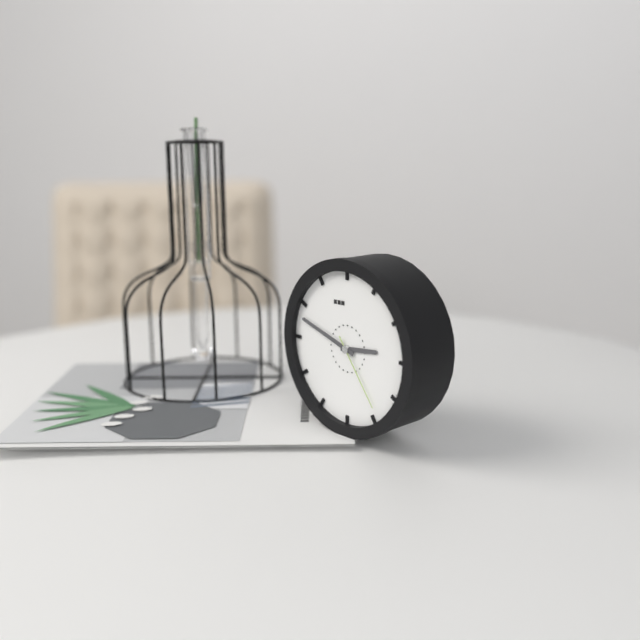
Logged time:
2:48:24
